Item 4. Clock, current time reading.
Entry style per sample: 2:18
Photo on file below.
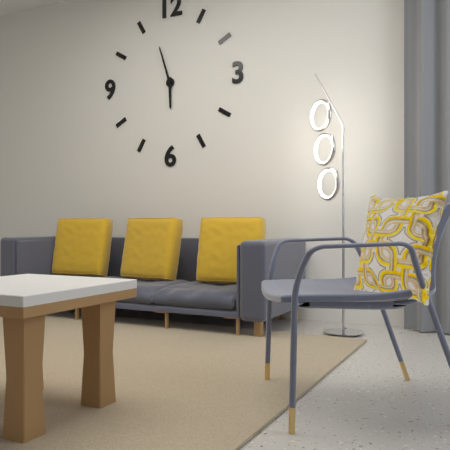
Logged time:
5:57
